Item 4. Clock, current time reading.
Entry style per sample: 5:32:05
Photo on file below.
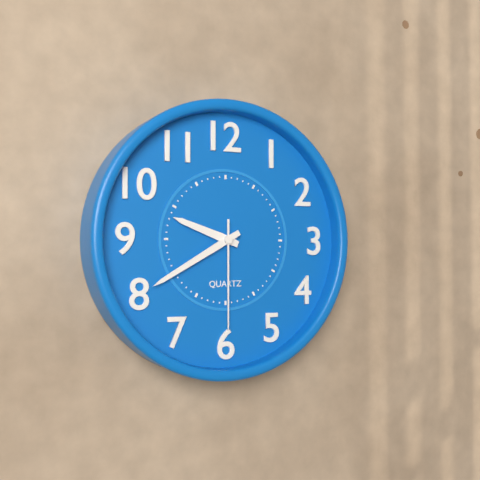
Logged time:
9:40:30
